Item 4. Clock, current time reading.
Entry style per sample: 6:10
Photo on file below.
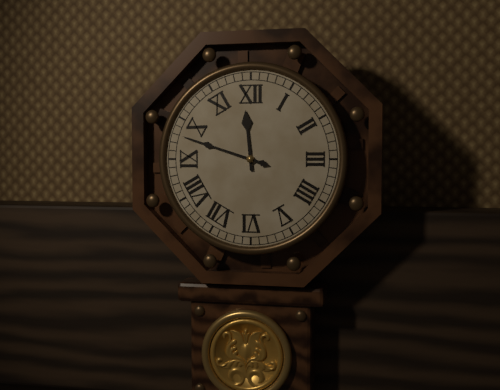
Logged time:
11:48
